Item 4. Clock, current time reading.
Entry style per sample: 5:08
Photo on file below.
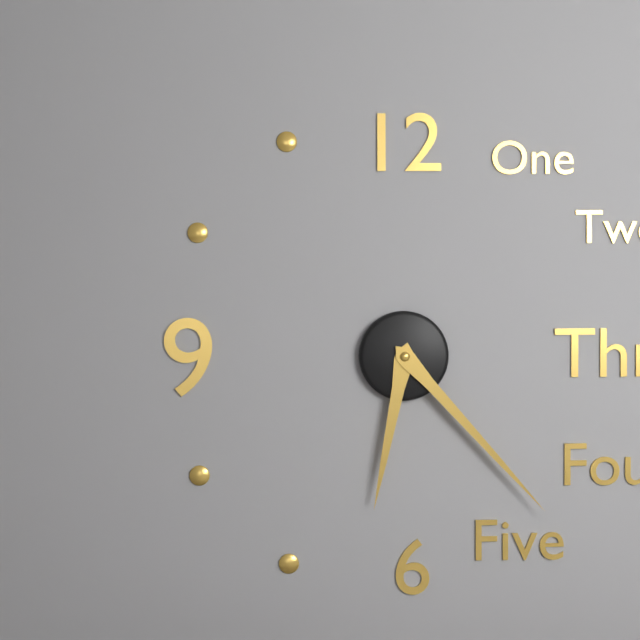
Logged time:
6:23
